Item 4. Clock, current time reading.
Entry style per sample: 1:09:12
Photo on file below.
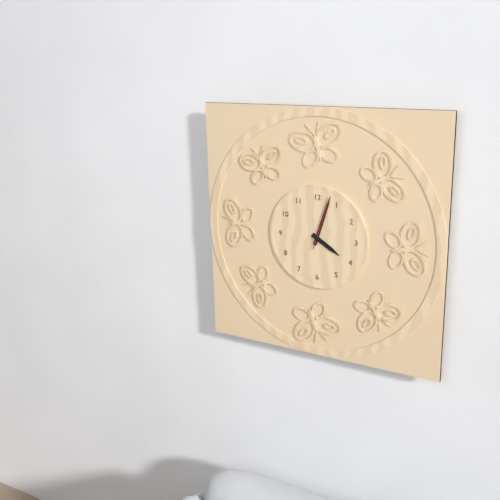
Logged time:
4:03:03
